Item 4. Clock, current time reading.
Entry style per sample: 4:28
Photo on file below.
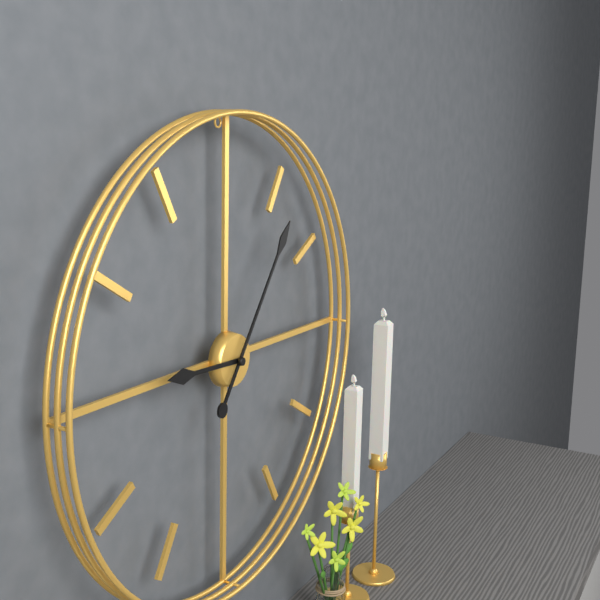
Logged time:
9:06
